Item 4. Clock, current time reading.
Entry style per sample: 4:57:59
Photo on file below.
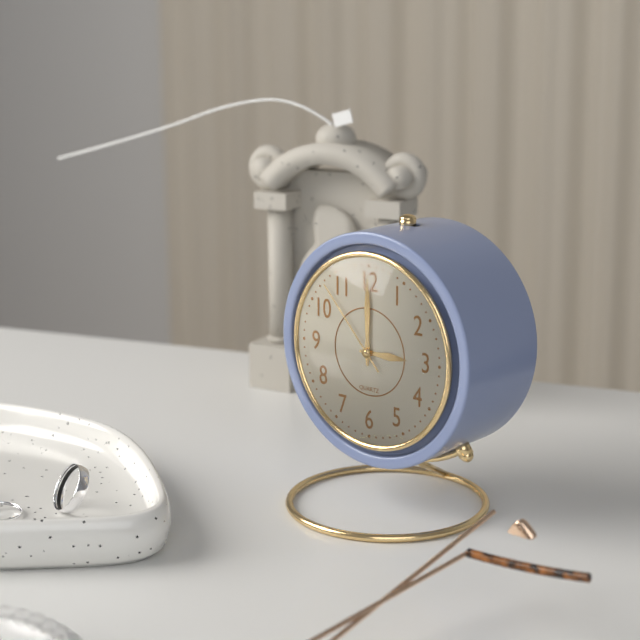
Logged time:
3:00:53
